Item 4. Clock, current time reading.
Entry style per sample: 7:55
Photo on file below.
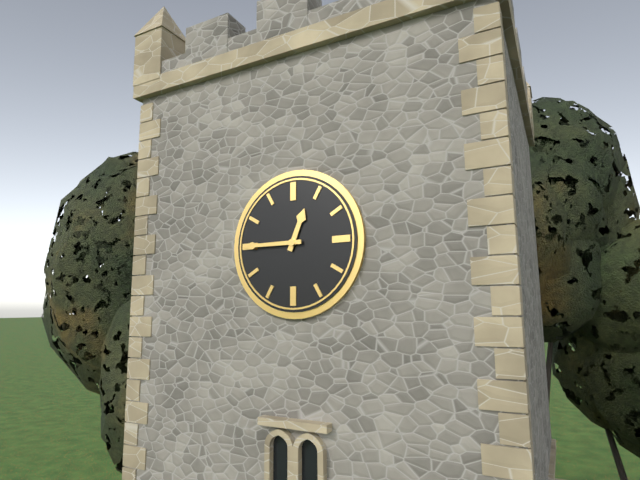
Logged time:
12:45
